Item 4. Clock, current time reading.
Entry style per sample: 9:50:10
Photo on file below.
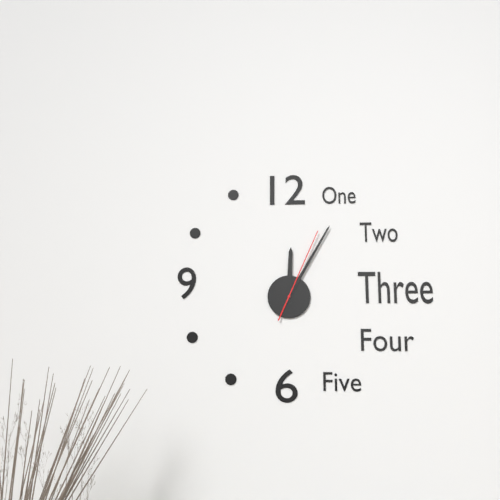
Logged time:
12:05:04
